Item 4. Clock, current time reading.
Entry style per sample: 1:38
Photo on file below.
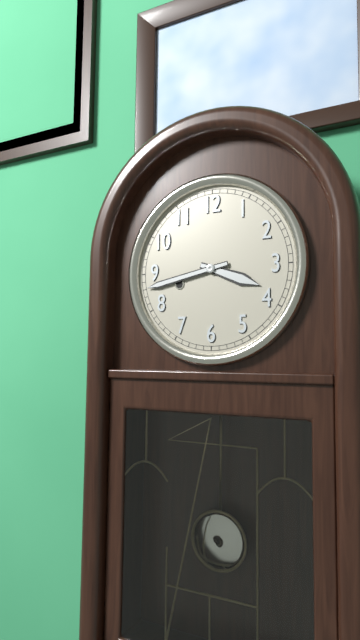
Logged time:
3:43
